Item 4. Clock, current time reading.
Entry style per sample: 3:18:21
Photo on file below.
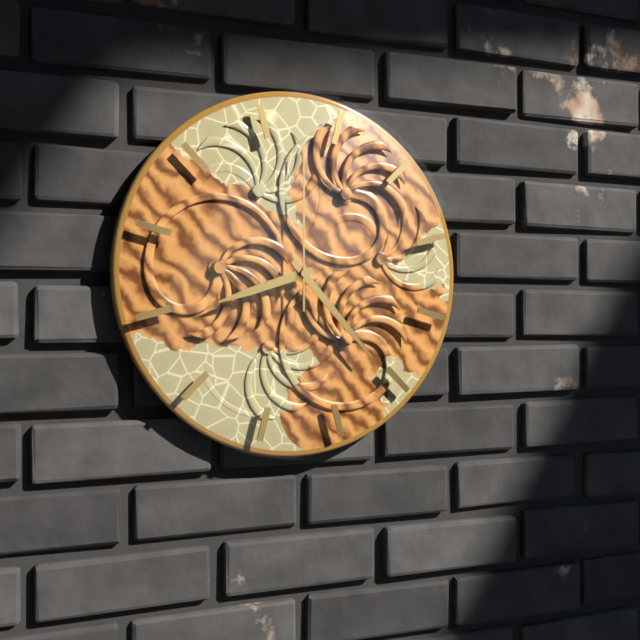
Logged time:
8:23:00
